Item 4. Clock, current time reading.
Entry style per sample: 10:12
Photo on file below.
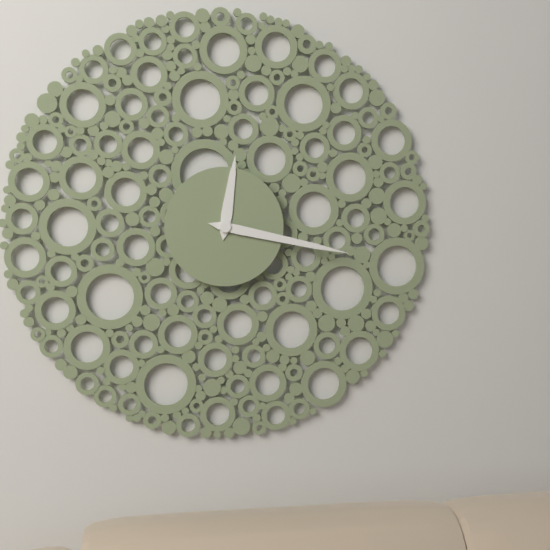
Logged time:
12:17
